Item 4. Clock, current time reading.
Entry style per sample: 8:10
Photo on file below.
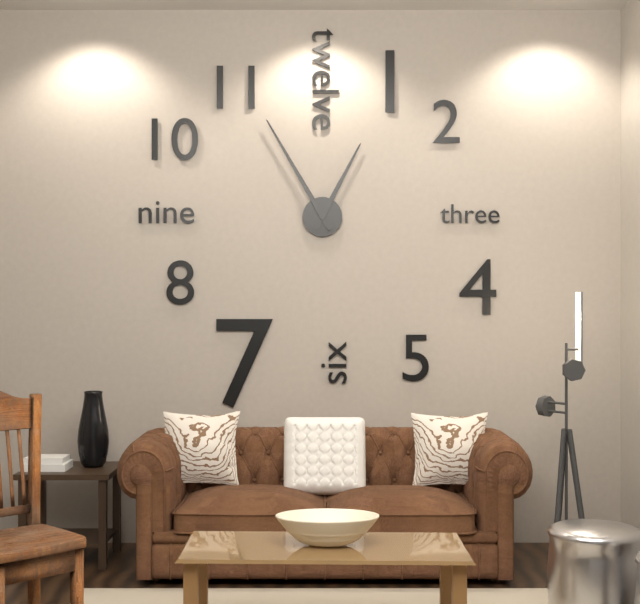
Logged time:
12:55
